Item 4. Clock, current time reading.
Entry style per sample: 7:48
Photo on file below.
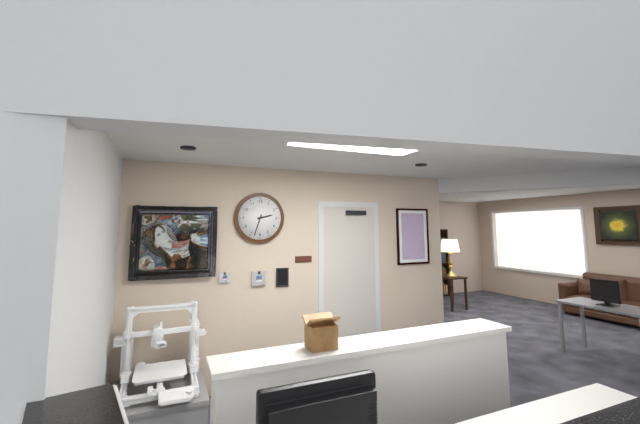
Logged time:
2:33
